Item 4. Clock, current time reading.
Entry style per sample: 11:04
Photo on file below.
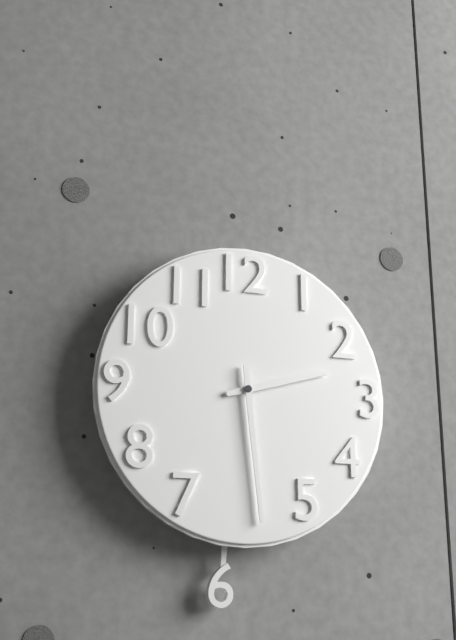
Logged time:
2:29
